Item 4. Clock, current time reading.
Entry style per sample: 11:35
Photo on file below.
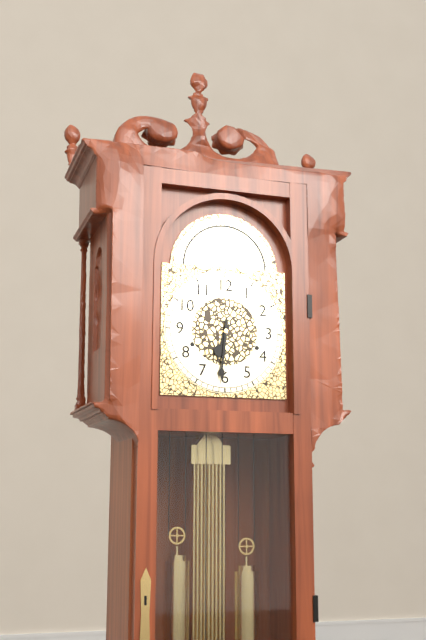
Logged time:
6:31
